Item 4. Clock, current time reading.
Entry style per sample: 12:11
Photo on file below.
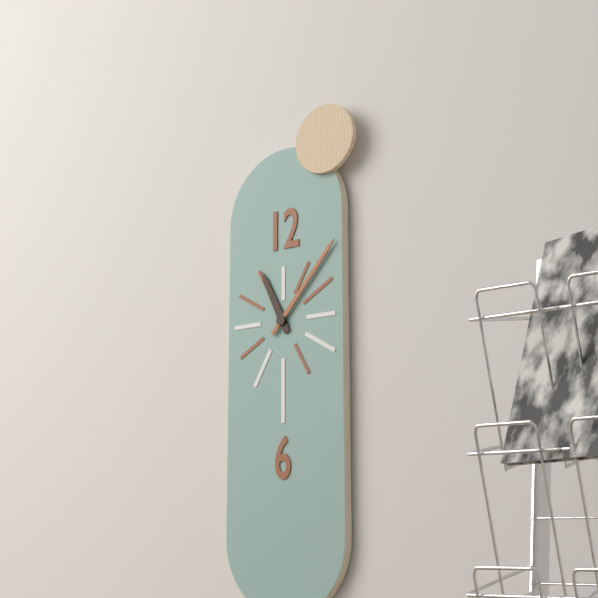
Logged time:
11:07
